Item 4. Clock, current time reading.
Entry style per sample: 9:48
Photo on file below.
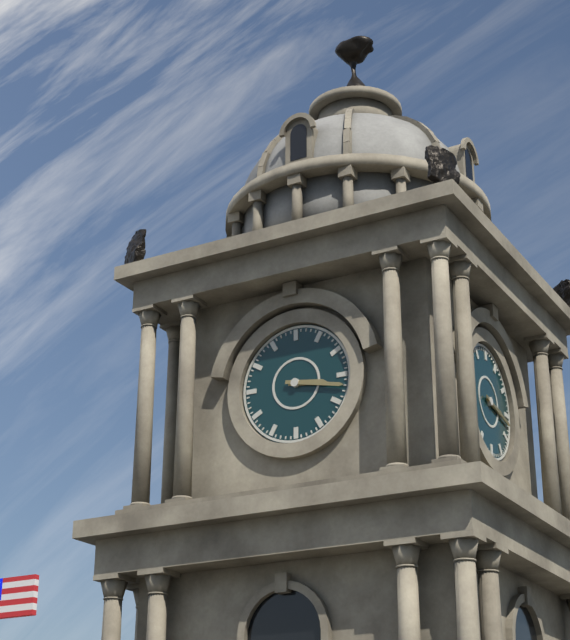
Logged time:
3:17
